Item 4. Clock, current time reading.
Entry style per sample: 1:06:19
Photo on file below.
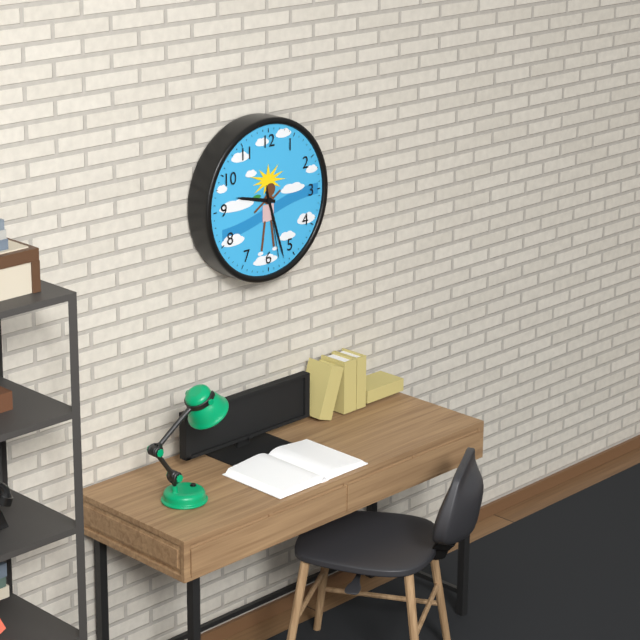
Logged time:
9:27:28
